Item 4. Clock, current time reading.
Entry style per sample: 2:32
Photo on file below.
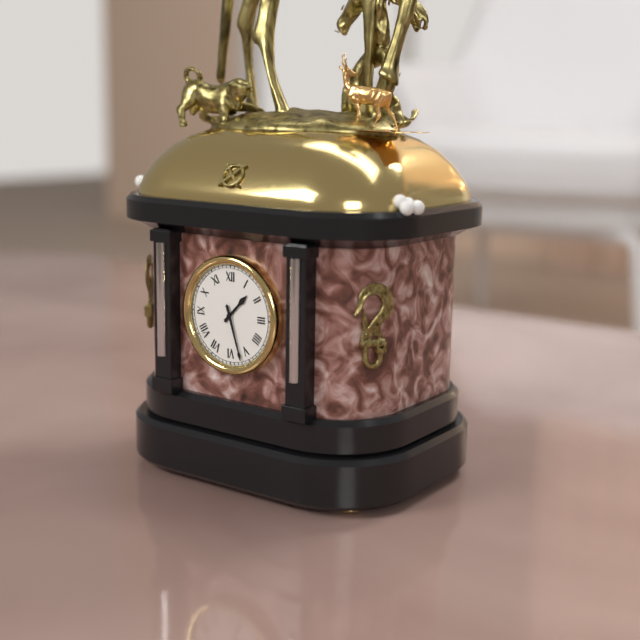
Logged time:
1:27
